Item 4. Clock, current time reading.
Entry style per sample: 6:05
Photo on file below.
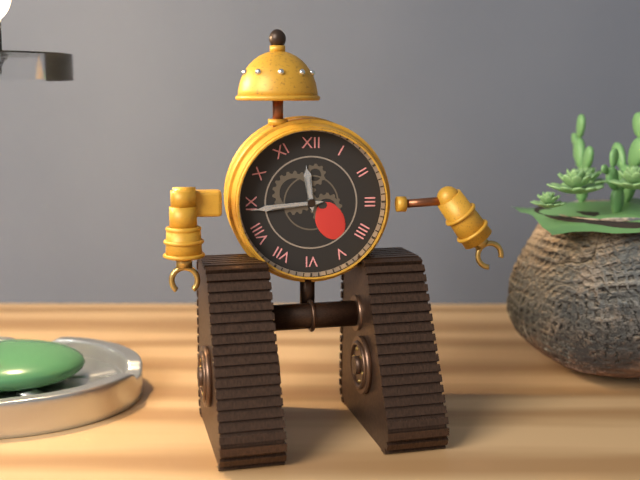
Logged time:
11:44
